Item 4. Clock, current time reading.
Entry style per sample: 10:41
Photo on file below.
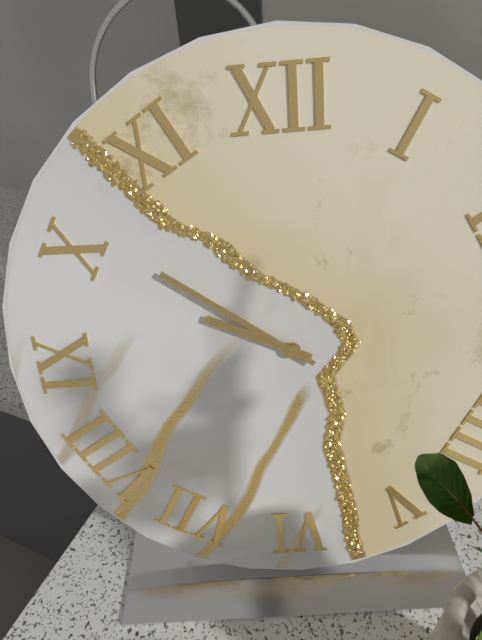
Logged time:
9:51
